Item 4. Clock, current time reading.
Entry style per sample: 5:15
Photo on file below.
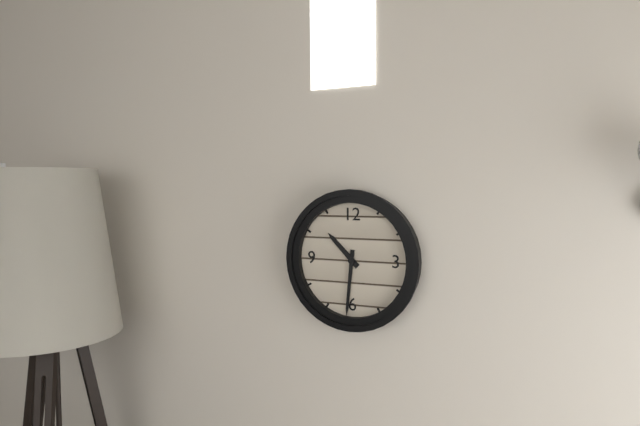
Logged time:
10:31
